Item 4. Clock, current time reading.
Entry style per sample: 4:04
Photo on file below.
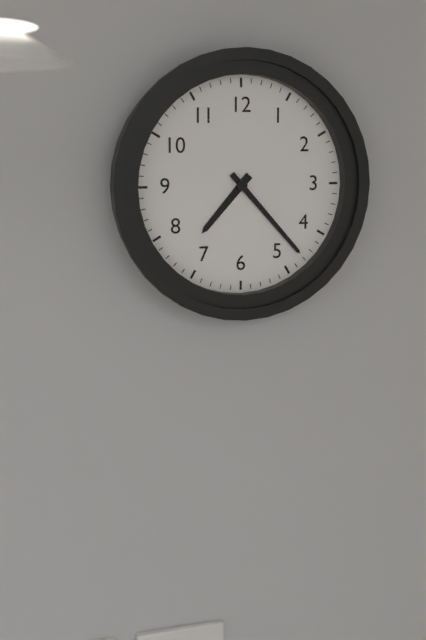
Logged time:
7:23
